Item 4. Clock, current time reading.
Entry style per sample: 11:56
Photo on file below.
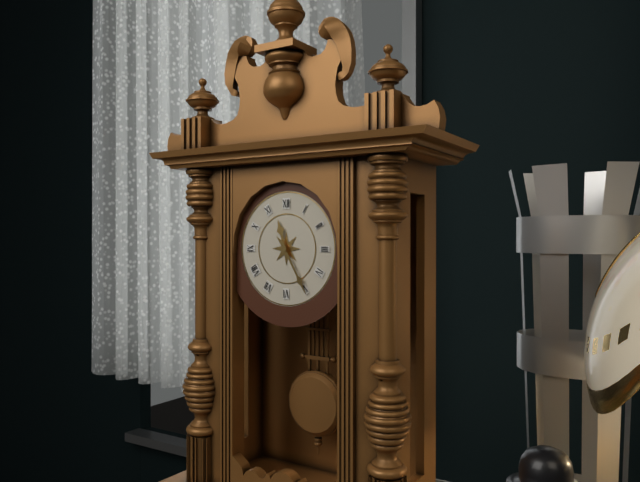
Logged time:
11:25
